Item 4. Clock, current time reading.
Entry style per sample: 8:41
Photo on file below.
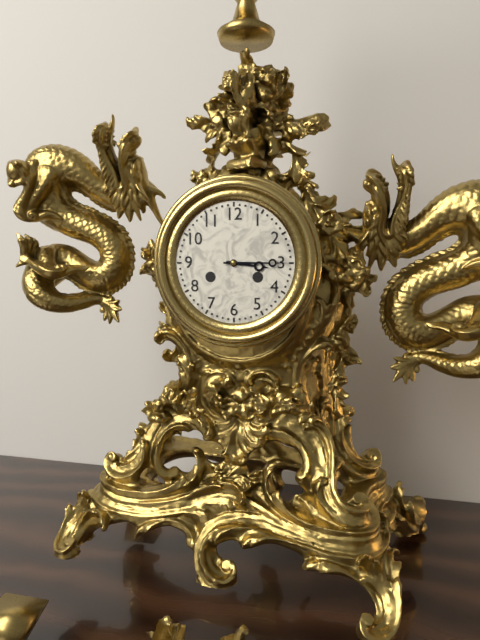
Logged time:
3:15
